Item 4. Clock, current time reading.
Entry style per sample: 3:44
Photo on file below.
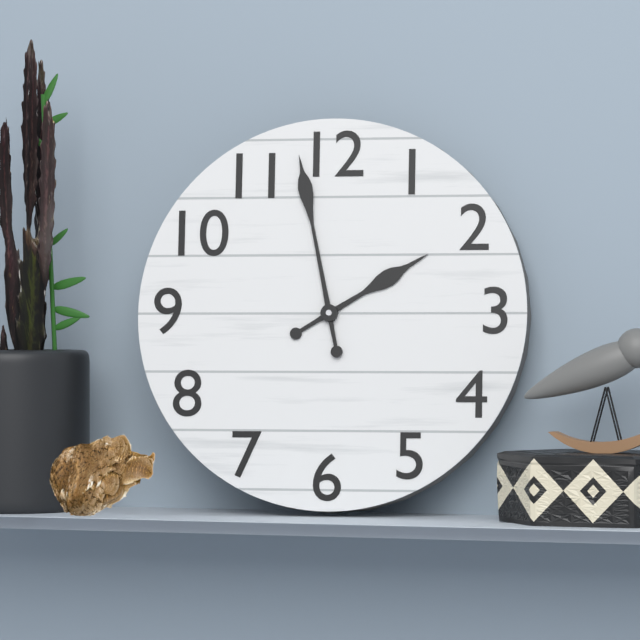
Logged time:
1:58
